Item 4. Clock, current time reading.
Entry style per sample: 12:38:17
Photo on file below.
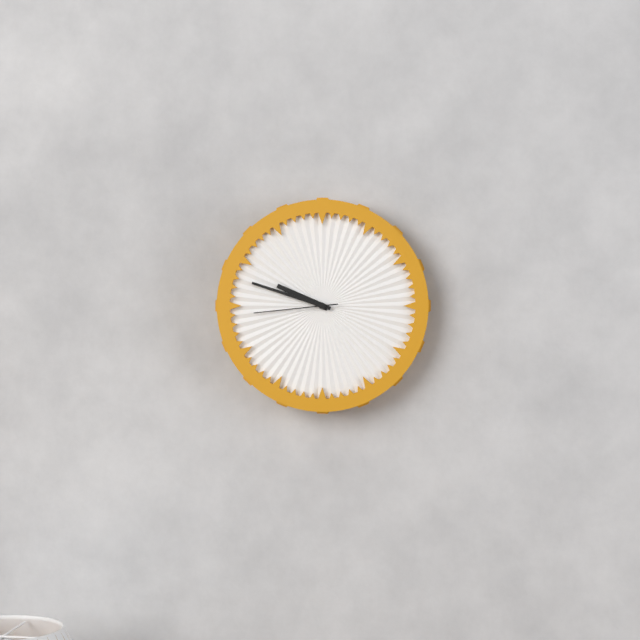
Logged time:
9:48:44
